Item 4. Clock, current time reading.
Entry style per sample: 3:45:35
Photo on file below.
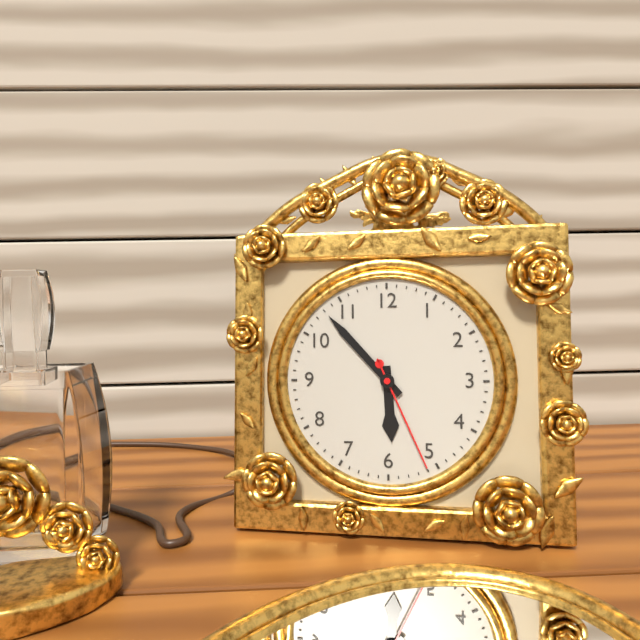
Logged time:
5:53:26
